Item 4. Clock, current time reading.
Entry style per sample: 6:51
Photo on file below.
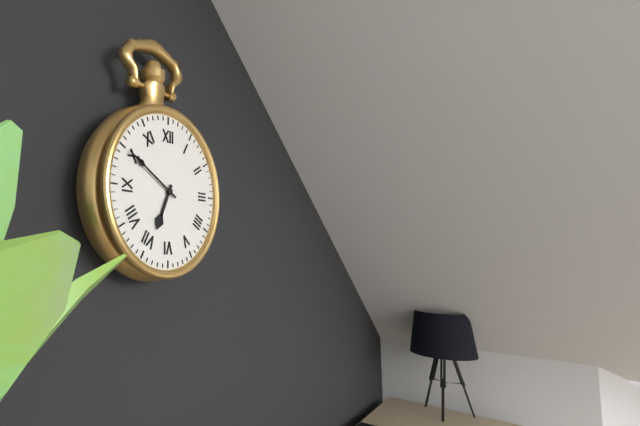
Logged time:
6:50
